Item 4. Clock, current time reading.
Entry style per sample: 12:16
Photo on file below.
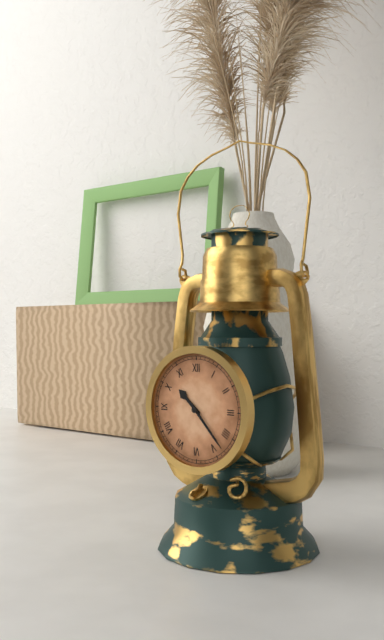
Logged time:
10:23
